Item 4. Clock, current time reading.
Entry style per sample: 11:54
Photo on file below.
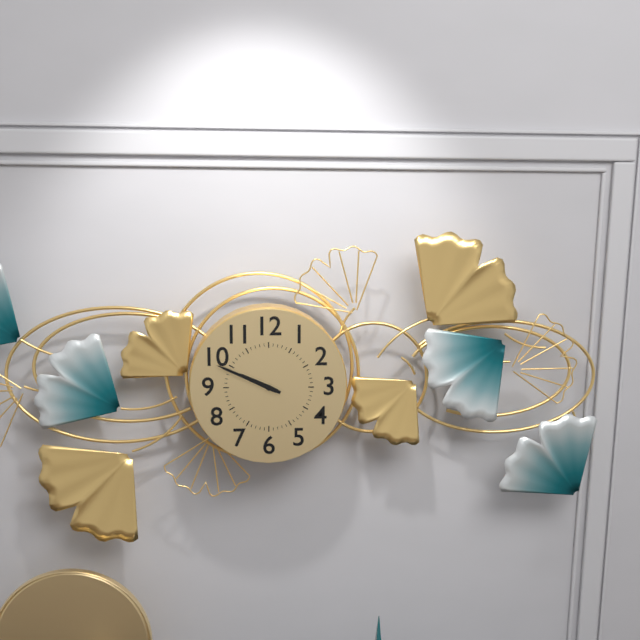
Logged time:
9:49
